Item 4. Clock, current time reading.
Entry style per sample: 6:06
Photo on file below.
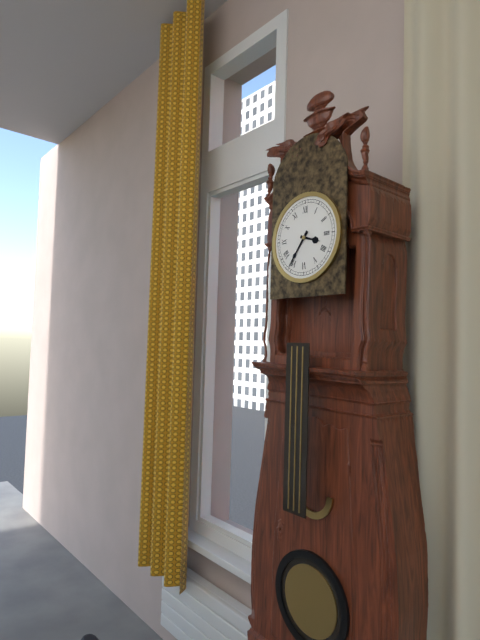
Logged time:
3:36
